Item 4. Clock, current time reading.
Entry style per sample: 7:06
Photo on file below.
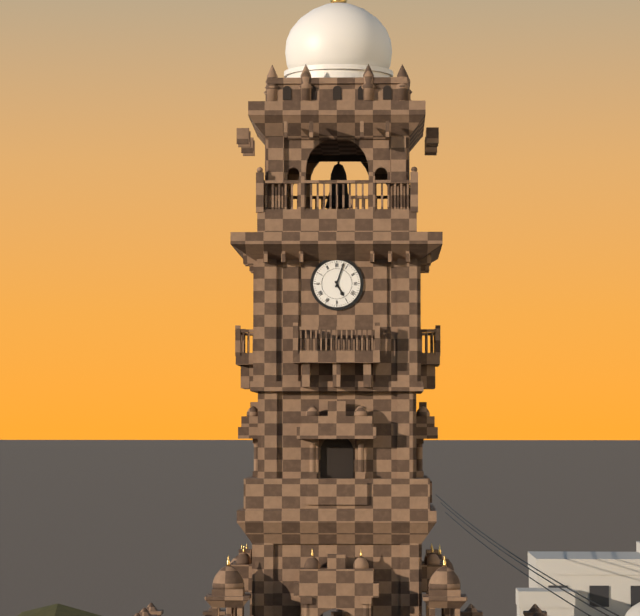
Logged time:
5:03
